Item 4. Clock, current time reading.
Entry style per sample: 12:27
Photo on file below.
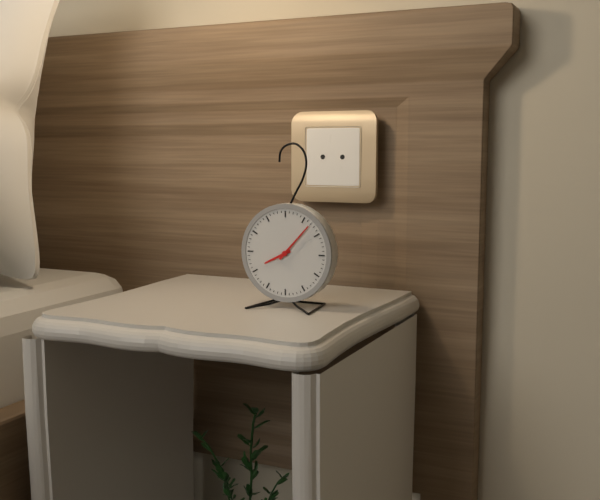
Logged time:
8:07
